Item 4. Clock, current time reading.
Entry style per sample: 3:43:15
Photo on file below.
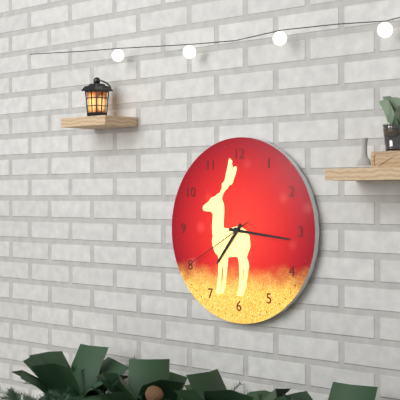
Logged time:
7:16:40
